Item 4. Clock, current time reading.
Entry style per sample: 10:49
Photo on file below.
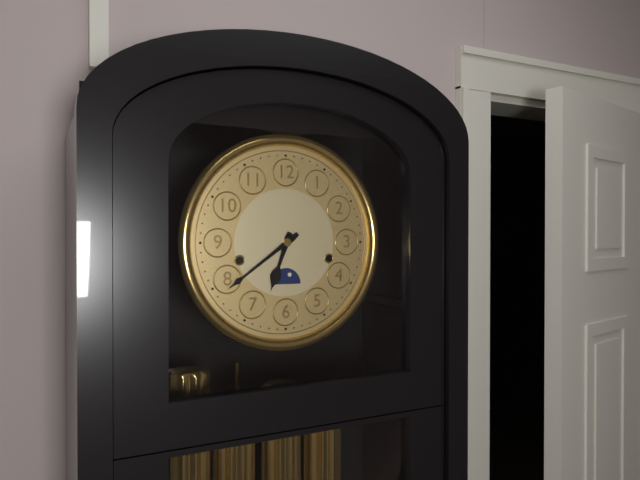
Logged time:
6:39
